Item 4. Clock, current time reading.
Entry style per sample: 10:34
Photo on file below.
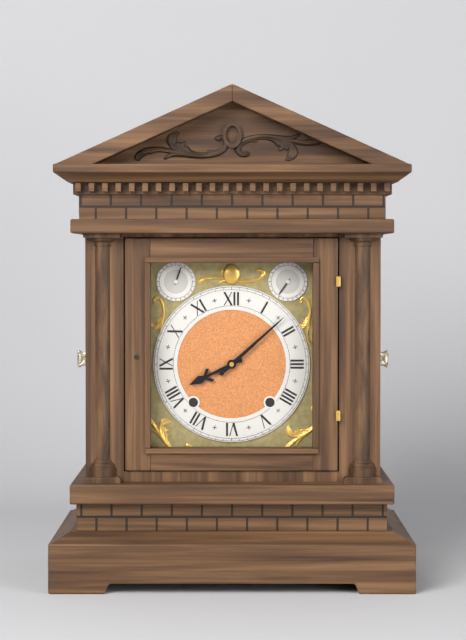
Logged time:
8:08
